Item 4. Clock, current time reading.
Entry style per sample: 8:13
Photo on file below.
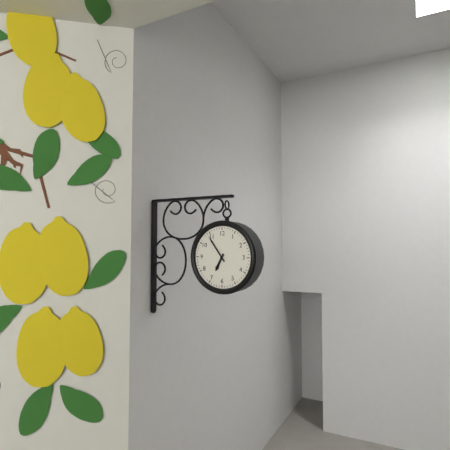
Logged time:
6:54
